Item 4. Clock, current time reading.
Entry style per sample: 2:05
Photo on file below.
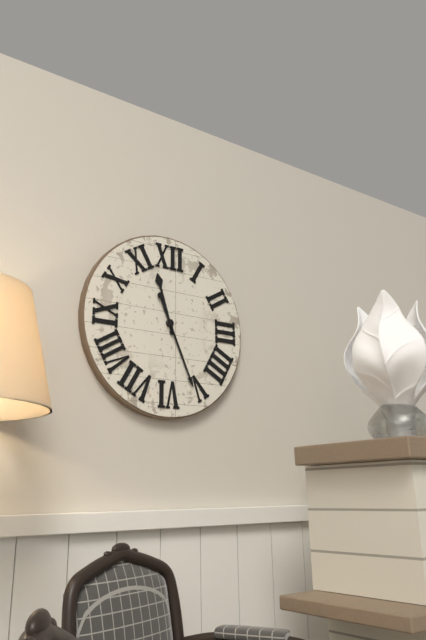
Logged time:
11:26
